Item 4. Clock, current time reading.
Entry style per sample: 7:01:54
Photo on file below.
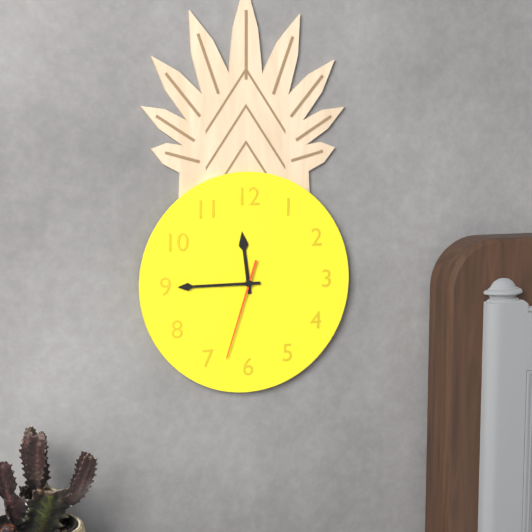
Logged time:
11:45:33
